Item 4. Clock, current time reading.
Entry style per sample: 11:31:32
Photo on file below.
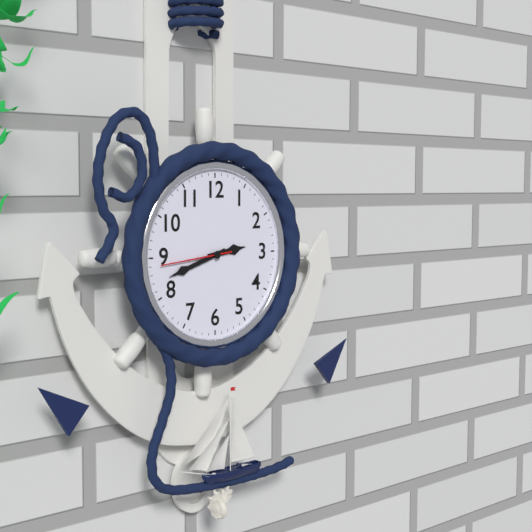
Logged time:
2:42:44
